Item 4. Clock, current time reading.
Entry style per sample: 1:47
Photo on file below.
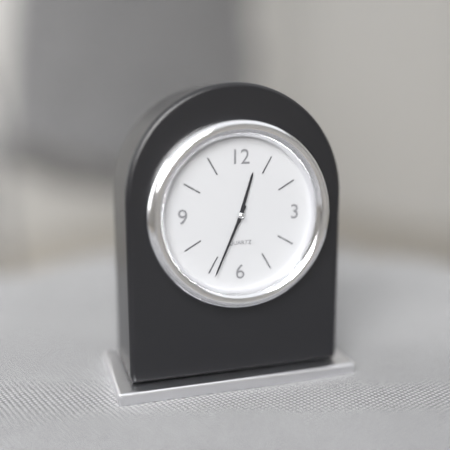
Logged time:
12:34
